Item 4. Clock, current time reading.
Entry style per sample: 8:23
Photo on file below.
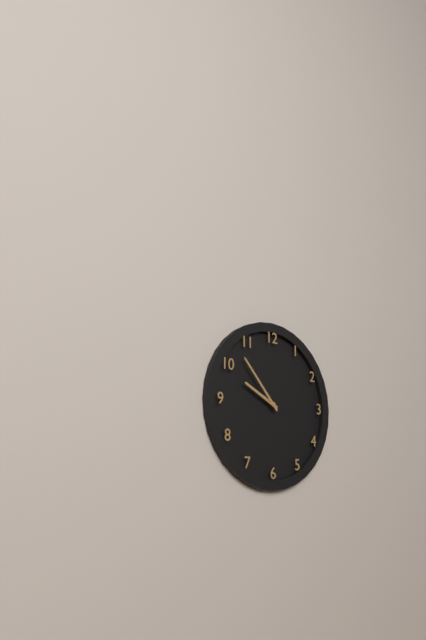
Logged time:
9:53
